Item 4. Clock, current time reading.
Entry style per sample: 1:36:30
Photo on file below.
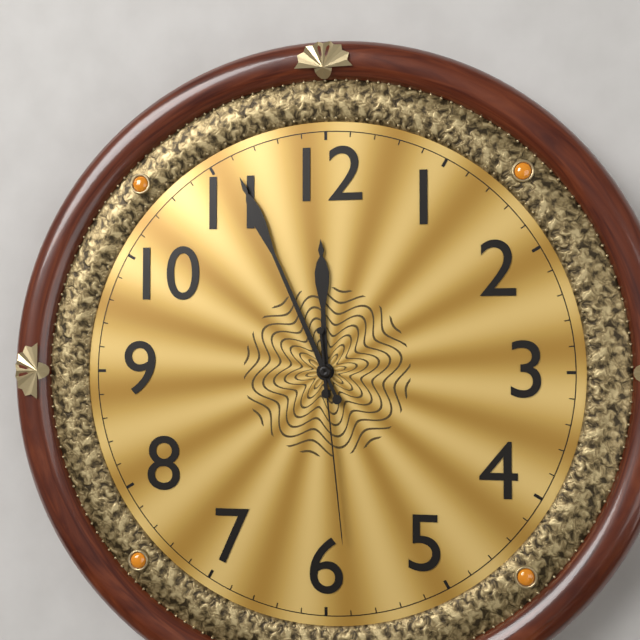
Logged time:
11:56:29
